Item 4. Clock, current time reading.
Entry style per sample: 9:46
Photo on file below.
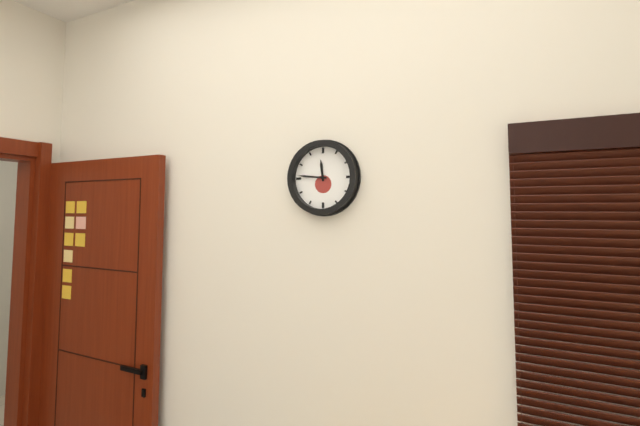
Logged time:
11:46
